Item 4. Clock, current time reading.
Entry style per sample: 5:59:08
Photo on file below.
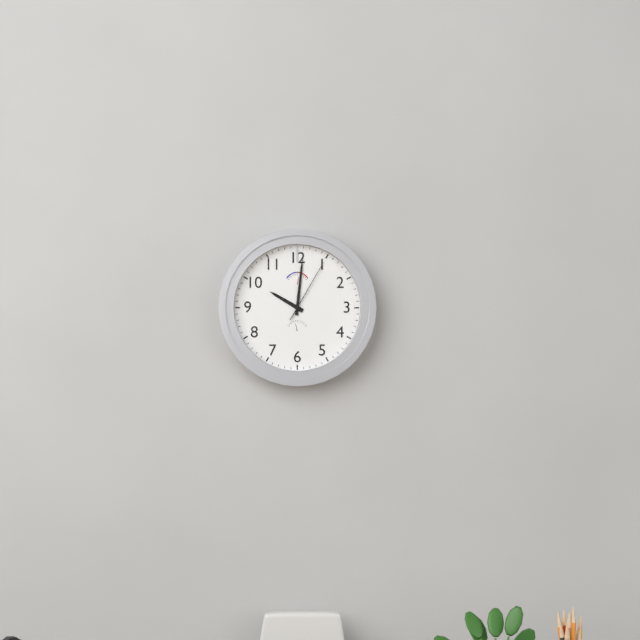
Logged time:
10:01:05
